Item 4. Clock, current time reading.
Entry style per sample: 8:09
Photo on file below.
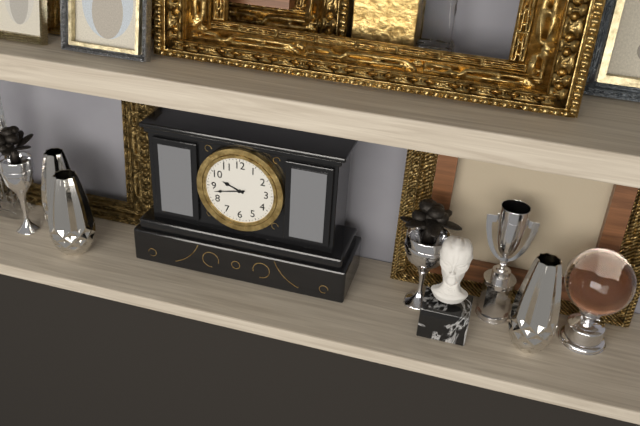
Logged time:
9:43
